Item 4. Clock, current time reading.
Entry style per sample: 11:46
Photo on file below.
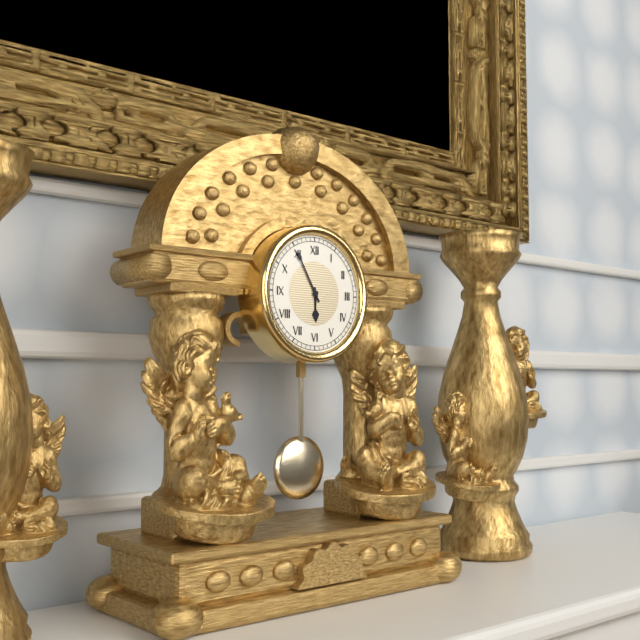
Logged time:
5:55
